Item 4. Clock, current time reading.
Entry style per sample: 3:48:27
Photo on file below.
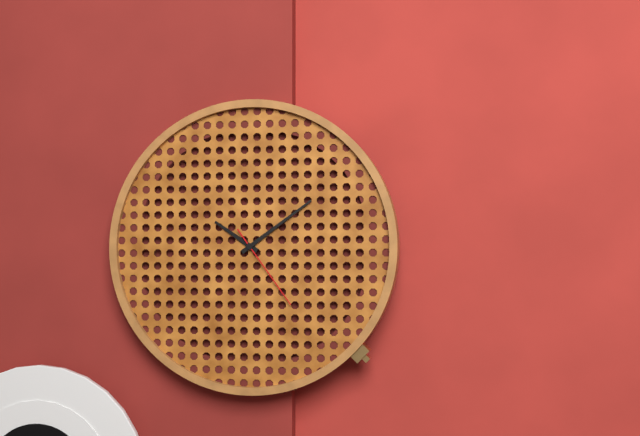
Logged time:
10:09:24
